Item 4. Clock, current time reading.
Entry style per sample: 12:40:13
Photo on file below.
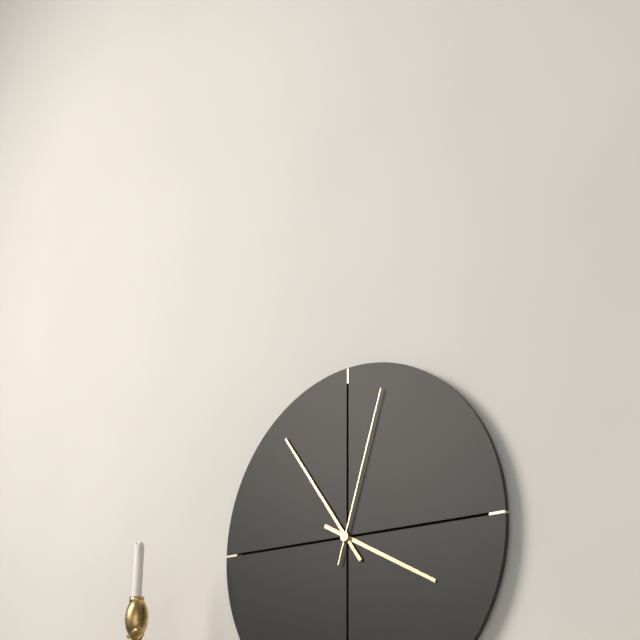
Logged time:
3:54:03
